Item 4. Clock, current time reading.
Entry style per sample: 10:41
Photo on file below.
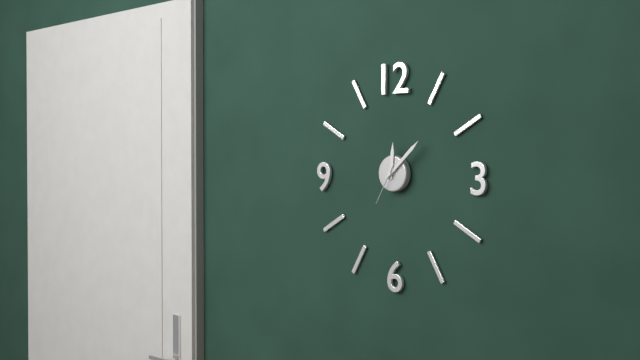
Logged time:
12:08
